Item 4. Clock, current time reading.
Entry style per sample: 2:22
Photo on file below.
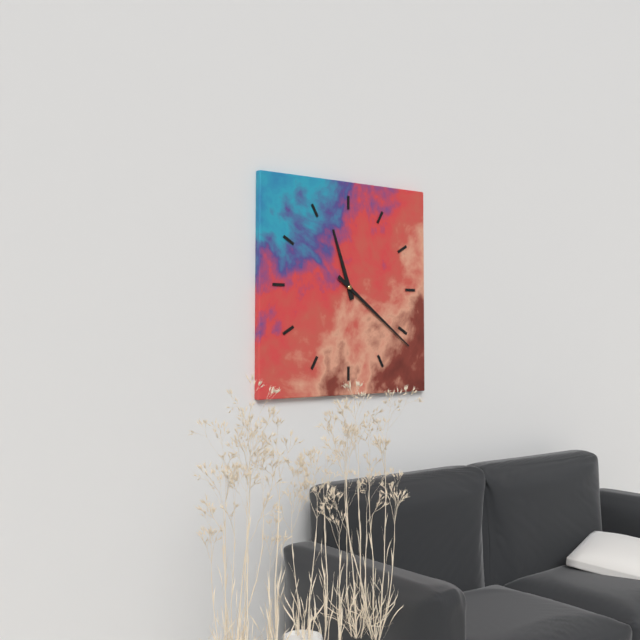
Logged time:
11:21
